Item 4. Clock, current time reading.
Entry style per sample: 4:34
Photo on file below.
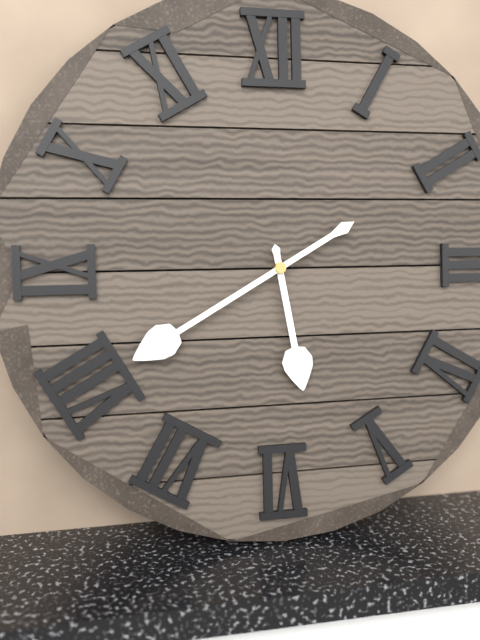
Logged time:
5:40
